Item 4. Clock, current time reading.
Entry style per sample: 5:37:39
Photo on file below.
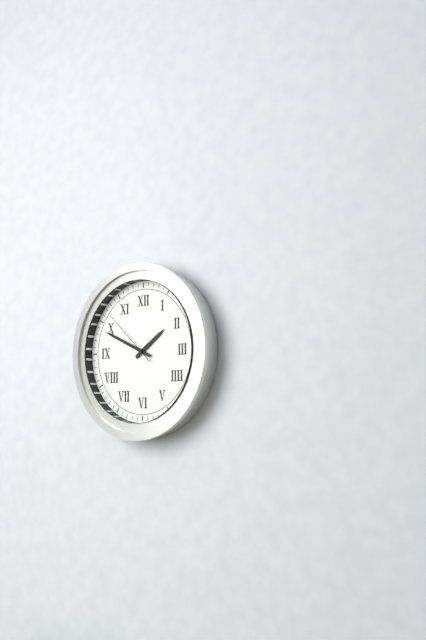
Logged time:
1:49:52
